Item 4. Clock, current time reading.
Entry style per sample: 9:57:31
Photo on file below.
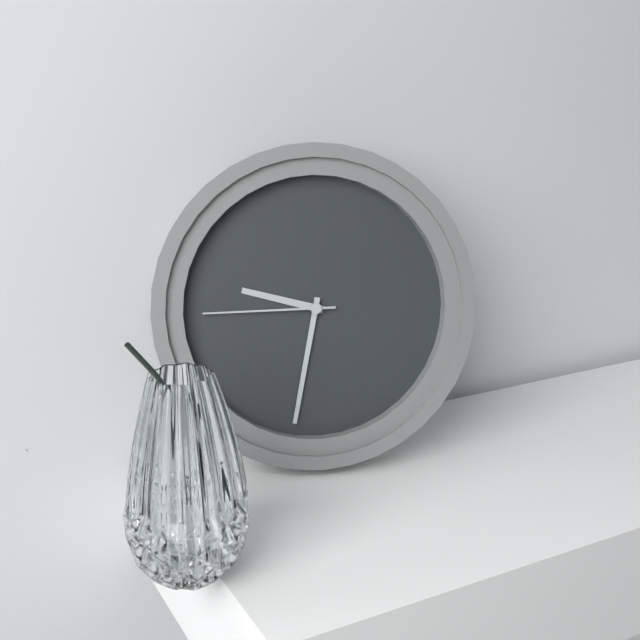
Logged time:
9:32:45
